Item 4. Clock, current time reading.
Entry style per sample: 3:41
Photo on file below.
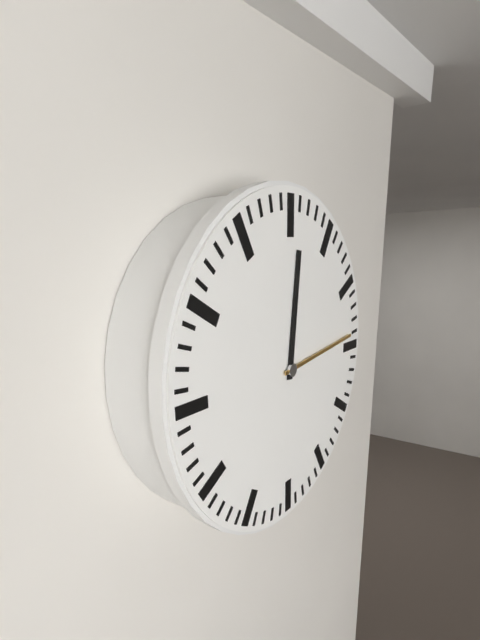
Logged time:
12:14
